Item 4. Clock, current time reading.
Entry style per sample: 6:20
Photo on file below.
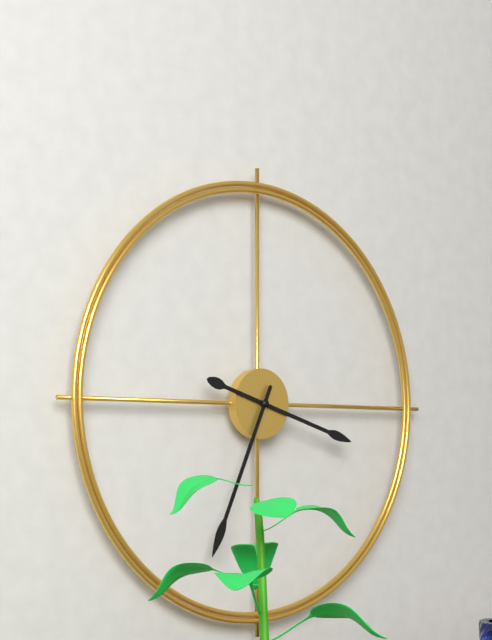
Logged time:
3:34
